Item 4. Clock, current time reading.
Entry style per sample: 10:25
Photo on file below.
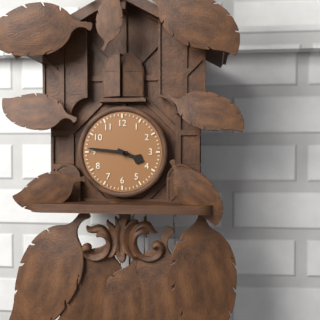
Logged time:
3:46
